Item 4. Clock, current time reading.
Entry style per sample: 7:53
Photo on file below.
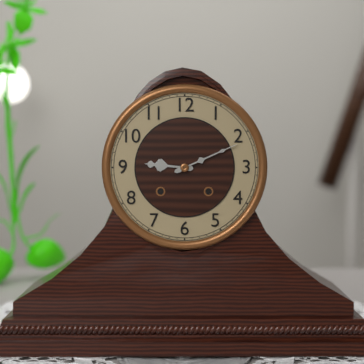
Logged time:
9:11
